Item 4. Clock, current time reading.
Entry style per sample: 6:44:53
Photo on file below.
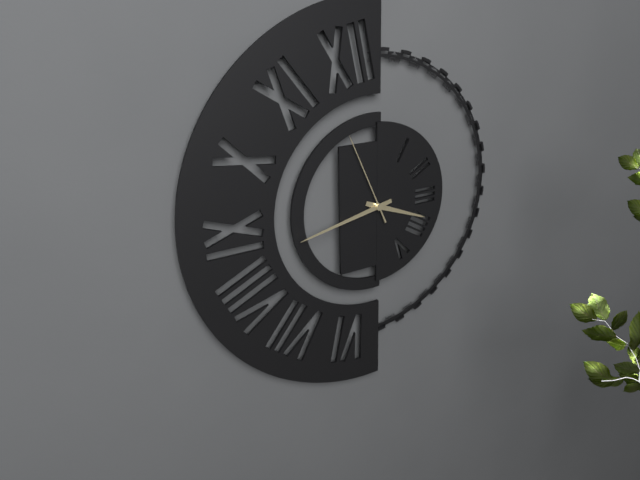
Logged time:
3:43:56
